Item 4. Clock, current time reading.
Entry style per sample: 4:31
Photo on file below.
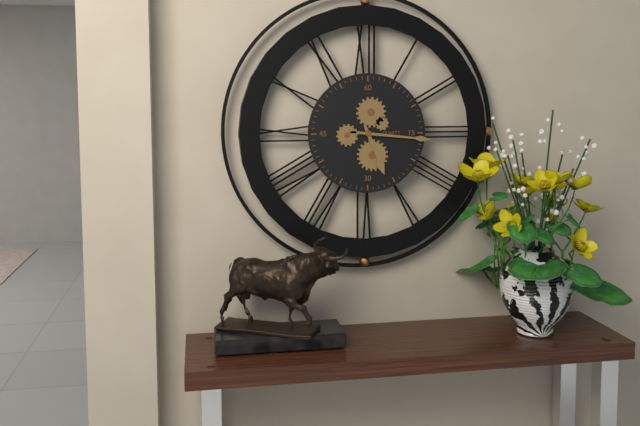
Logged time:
5:16
